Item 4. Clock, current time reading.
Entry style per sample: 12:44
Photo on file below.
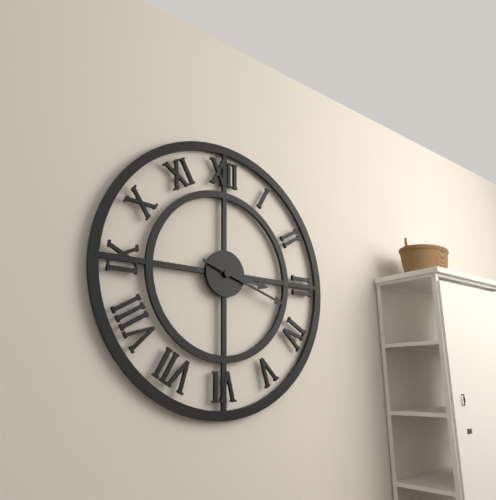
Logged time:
3:18
